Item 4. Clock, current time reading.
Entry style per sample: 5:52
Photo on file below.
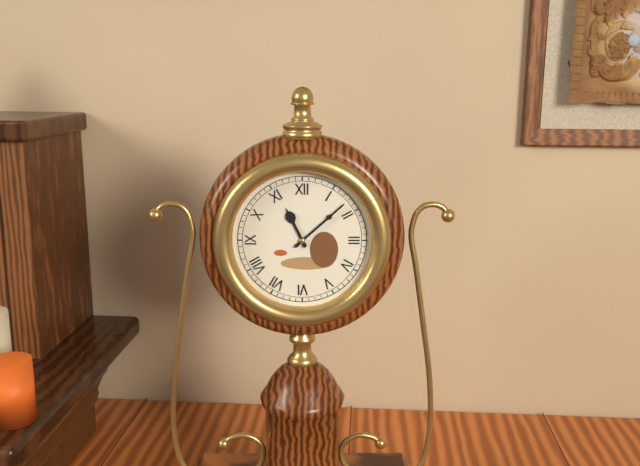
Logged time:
11:08
